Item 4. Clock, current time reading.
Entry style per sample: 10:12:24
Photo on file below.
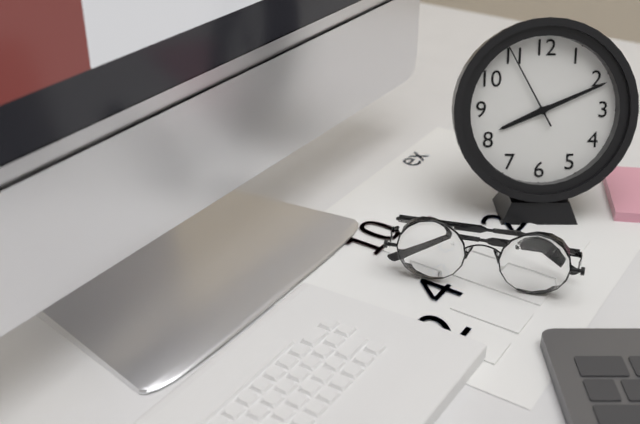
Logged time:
8:11:55
